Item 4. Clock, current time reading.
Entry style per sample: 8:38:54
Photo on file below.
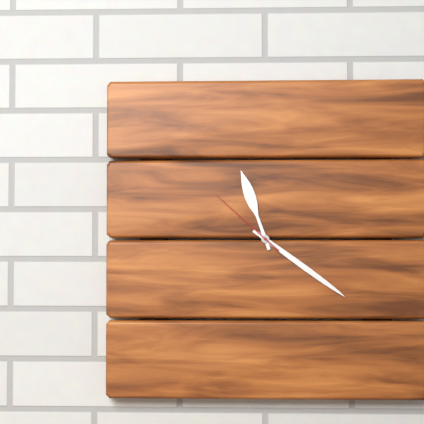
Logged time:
11:21:52
